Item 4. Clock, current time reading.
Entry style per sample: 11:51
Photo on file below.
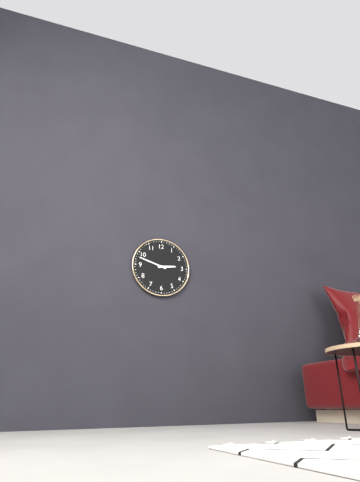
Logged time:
2:48
